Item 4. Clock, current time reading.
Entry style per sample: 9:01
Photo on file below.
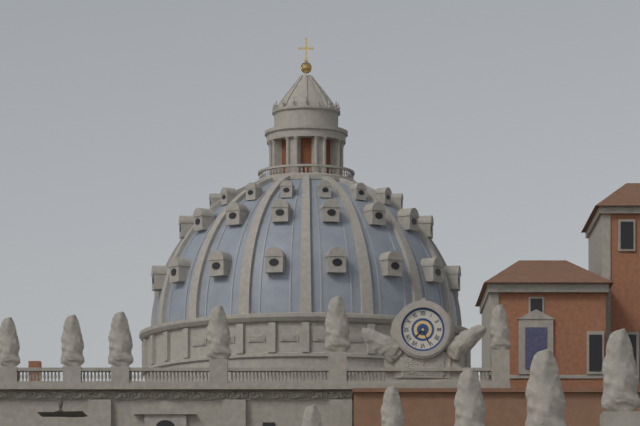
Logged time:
7:26
